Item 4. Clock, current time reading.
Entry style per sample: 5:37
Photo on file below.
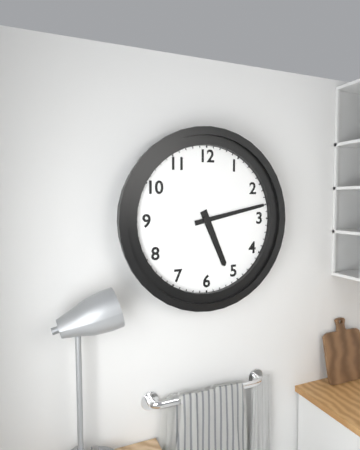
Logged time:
5:13
